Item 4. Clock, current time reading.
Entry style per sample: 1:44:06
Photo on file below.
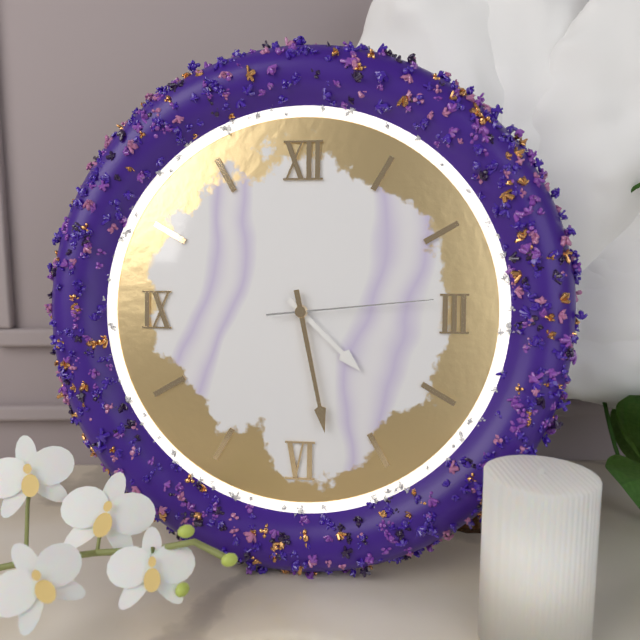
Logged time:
4:28:14
